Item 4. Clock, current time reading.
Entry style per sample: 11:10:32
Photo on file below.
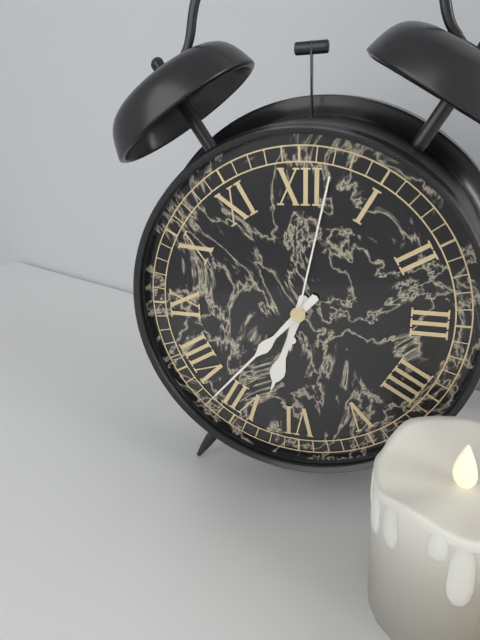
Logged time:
6:37:02
